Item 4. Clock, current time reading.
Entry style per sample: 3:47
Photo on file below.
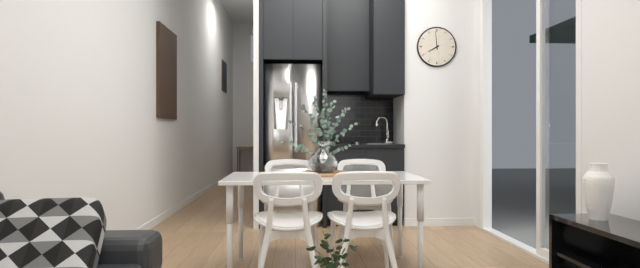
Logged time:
7:59
